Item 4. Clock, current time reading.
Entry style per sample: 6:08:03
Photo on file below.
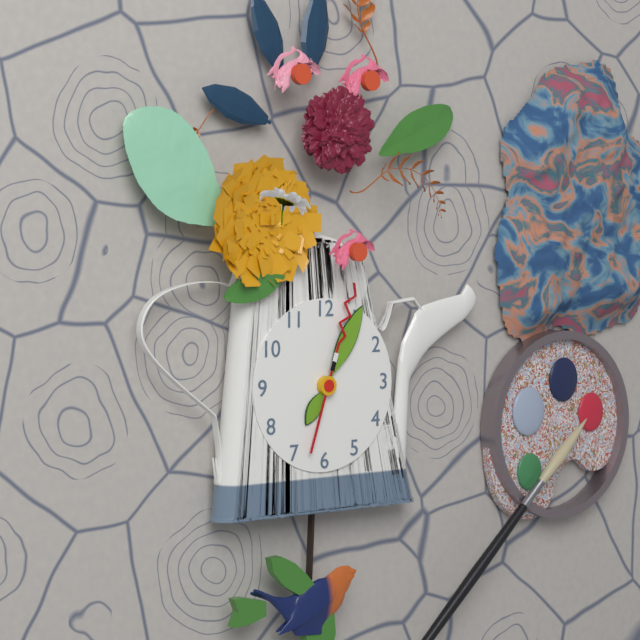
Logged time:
7:05:03
